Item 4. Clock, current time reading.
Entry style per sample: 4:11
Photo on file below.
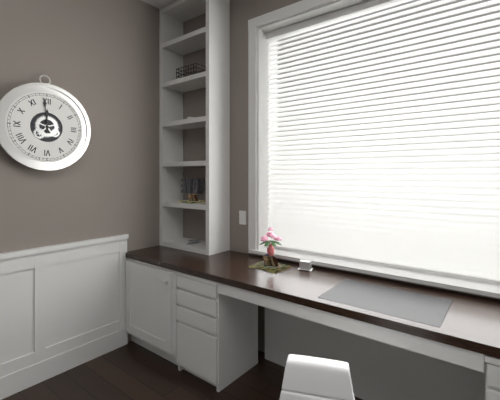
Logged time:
11:59
